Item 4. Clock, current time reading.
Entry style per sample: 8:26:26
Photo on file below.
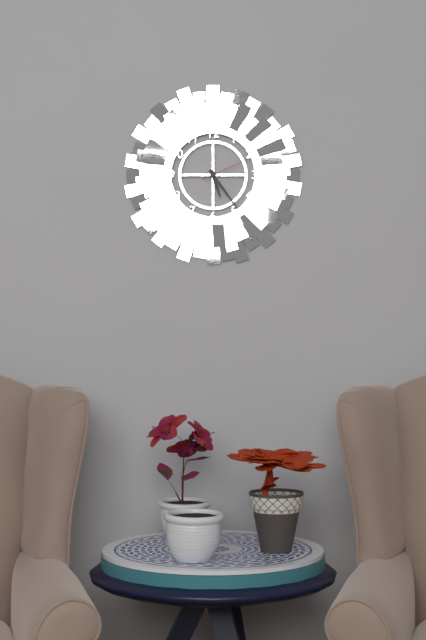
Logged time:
5:24:11
